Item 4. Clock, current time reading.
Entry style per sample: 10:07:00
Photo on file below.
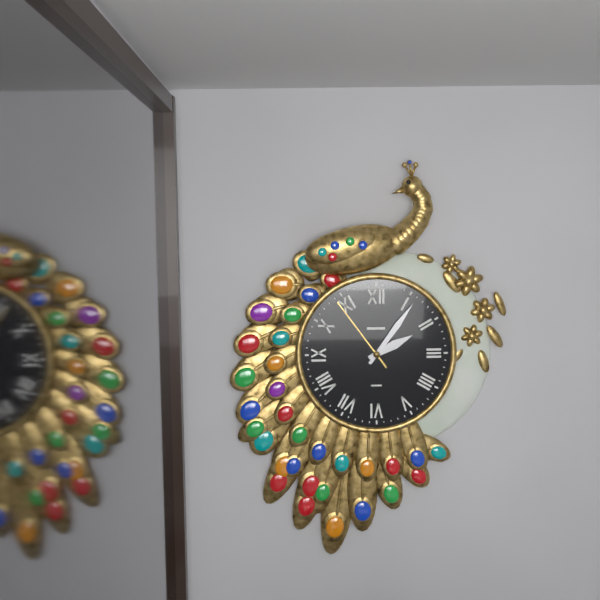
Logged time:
2:06:54
